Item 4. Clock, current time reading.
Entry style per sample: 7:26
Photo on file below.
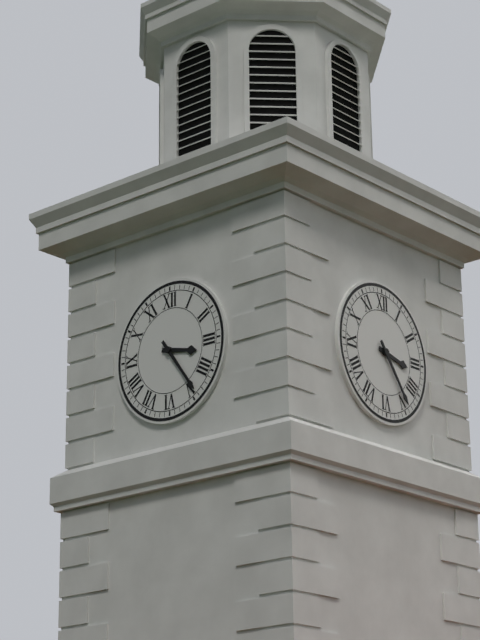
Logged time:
3:24
